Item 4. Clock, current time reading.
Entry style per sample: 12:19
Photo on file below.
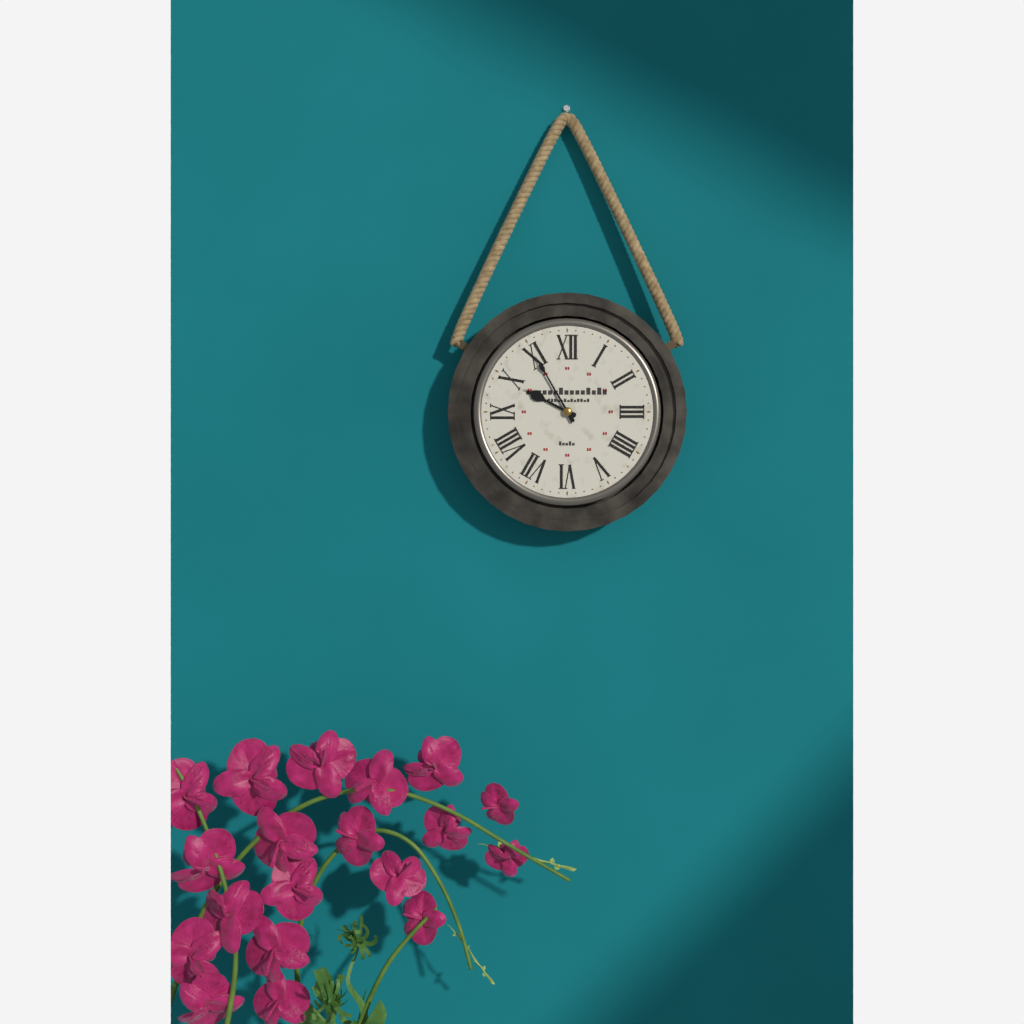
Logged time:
9:55
